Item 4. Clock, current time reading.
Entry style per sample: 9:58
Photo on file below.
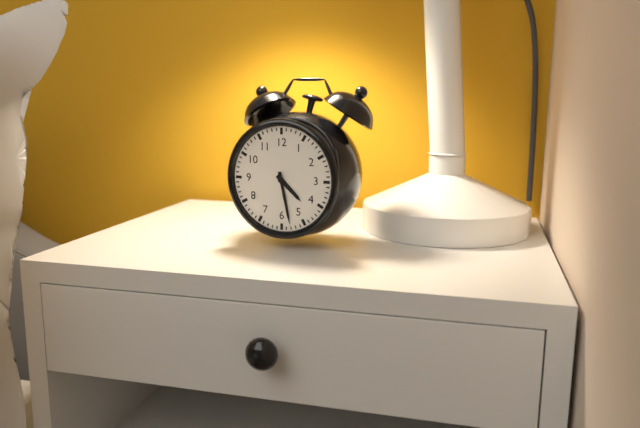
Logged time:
4:28
